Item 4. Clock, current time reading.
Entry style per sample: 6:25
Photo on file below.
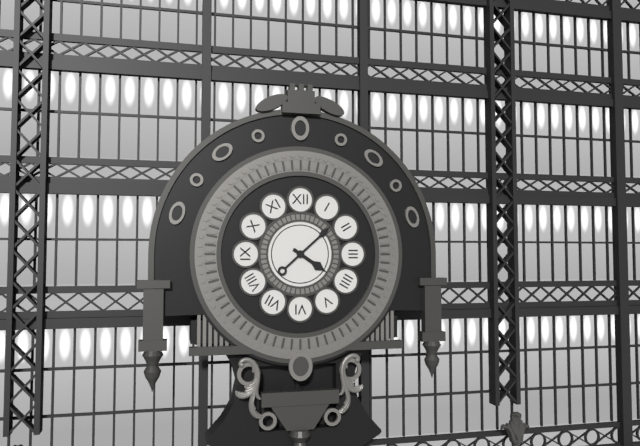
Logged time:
4:08
